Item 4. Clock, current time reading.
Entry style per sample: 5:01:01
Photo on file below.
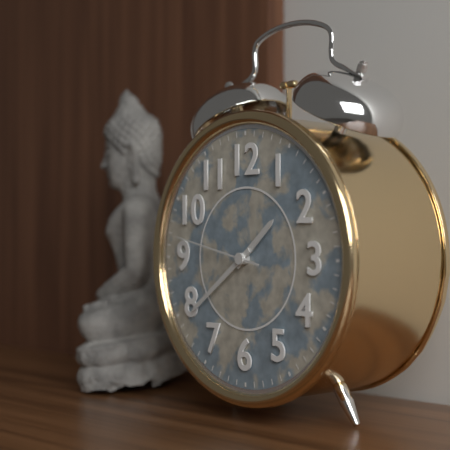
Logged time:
1:39:47
